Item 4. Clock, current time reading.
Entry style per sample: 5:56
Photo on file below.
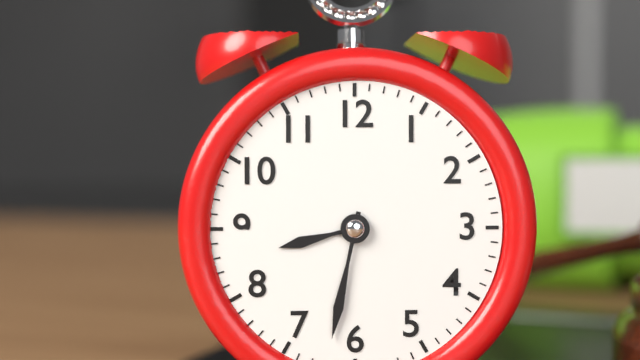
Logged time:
8:32
